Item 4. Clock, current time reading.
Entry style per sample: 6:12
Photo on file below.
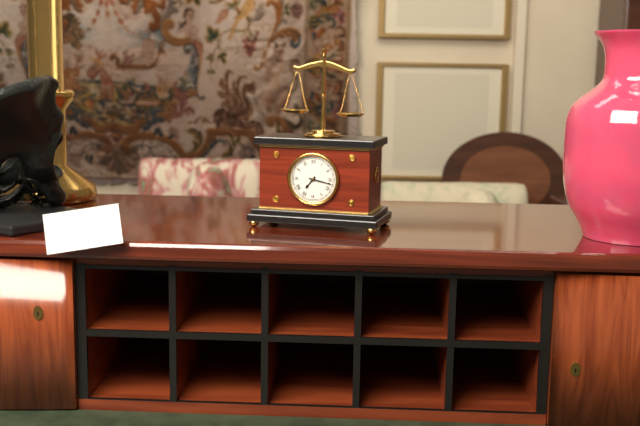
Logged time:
7:17
